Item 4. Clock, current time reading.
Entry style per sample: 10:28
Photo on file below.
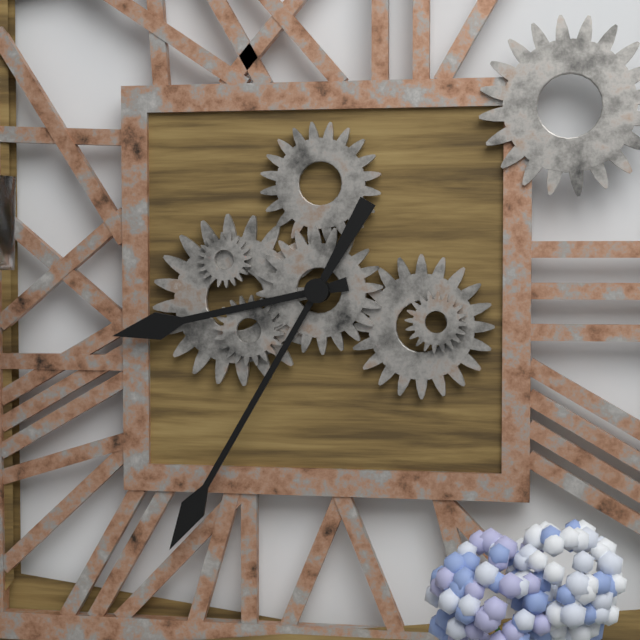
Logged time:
8:35
